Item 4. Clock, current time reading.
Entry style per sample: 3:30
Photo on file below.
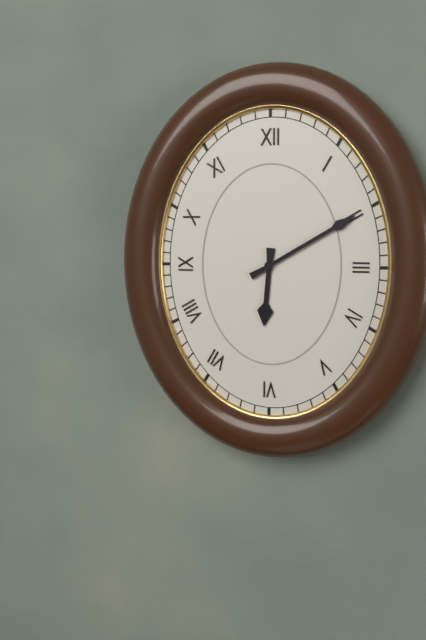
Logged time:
6:10
